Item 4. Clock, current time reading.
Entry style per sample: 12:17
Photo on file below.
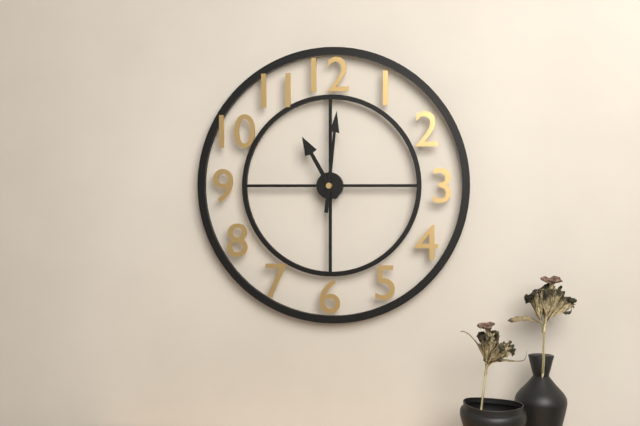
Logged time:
11:01
